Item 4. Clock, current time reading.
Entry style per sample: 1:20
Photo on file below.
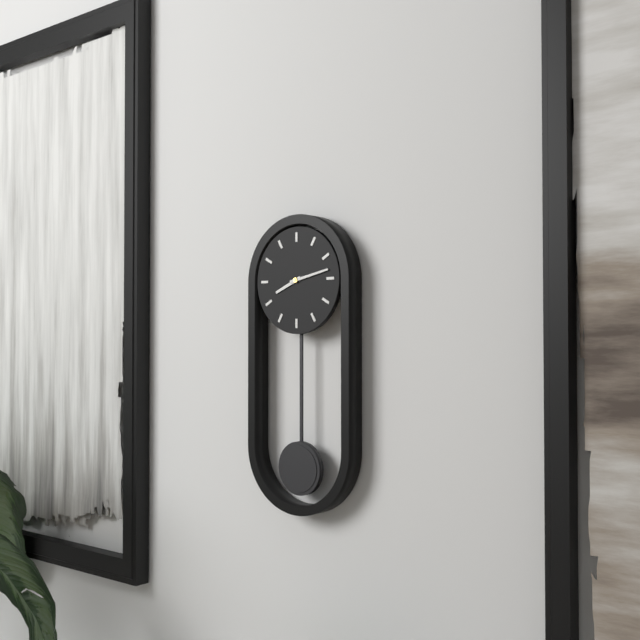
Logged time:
8:13
